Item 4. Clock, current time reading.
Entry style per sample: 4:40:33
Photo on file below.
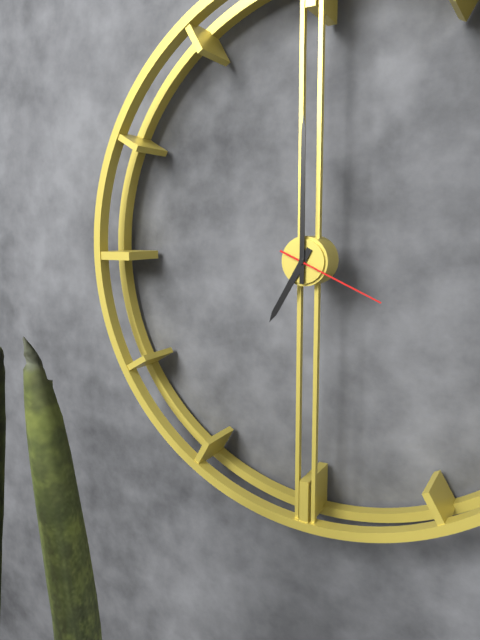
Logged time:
7:00:19
